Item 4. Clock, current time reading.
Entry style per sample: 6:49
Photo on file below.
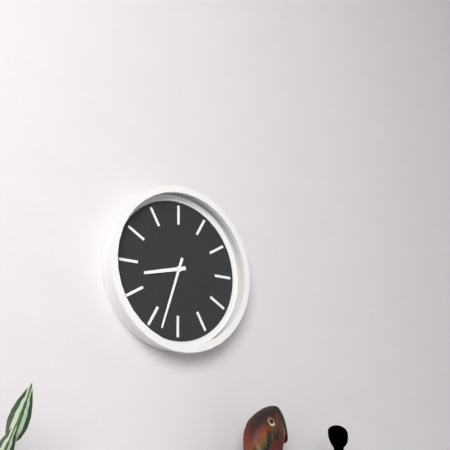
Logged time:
8:33
